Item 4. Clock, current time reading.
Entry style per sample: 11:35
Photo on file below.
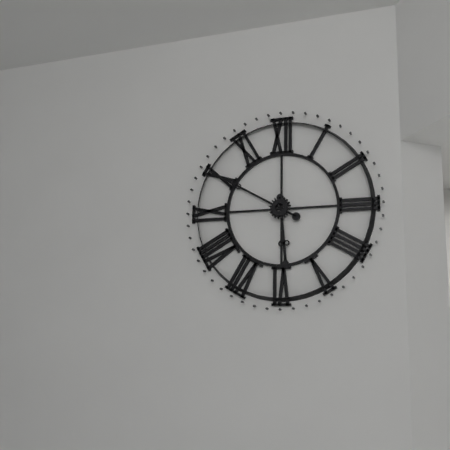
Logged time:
5:50
